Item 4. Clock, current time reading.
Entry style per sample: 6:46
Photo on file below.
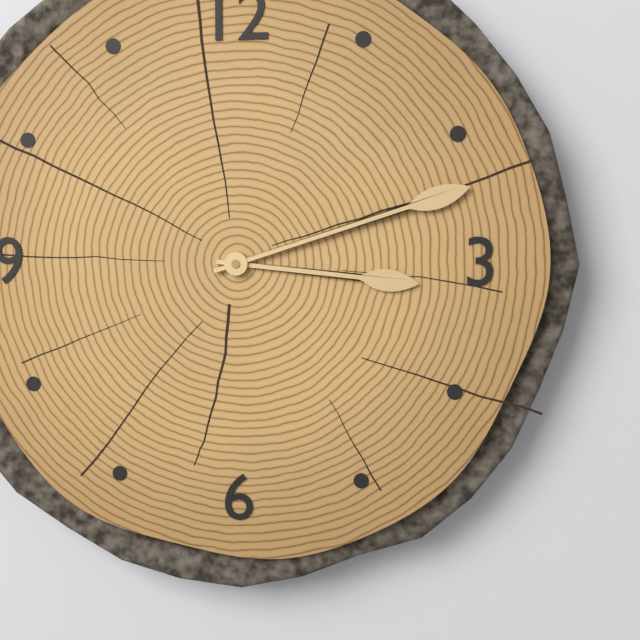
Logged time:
3:12
